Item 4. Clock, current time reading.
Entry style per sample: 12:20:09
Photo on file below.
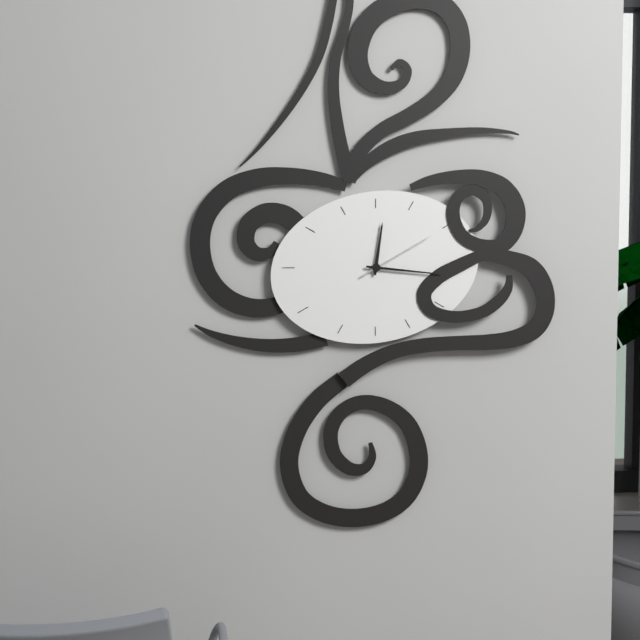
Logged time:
12:16:10
